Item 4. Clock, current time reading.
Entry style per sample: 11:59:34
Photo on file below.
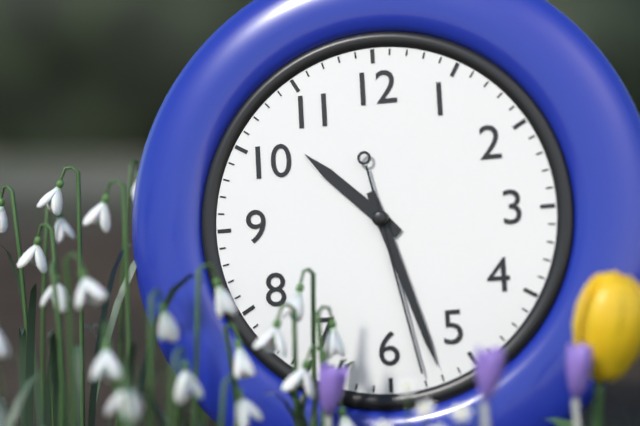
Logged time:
10:27:28
